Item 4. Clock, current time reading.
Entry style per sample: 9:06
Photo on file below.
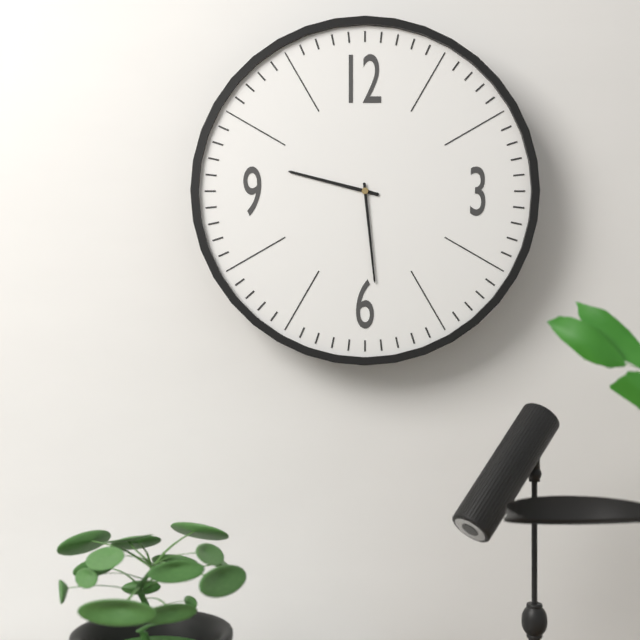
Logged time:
9:29
